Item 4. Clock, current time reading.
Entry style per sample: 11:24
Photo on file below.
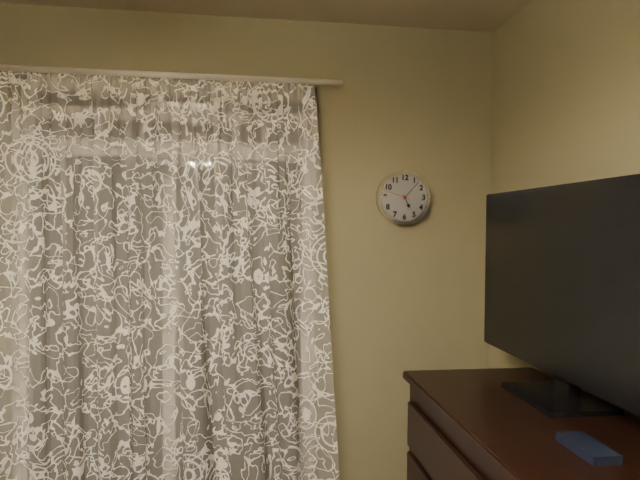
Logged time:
5:07
